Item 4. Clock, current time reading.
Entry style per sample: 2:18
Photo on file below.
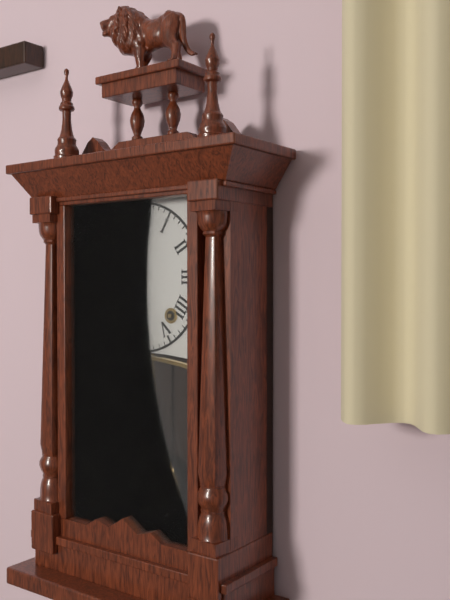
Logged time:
6:01
